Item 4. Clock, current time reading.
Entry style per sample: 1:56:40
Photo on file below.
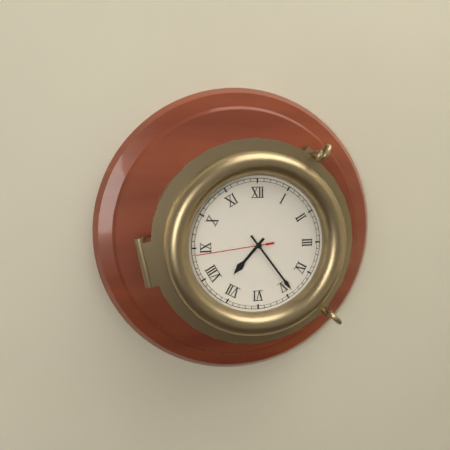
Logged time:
7:24:44
